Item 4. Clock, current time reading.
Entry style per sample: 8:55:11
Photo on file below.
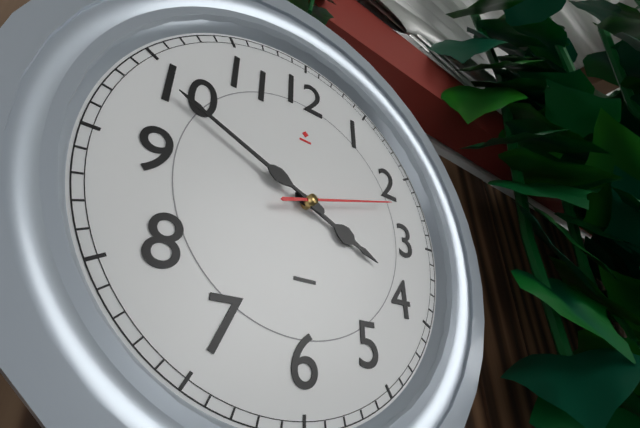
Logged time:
3:49:12
